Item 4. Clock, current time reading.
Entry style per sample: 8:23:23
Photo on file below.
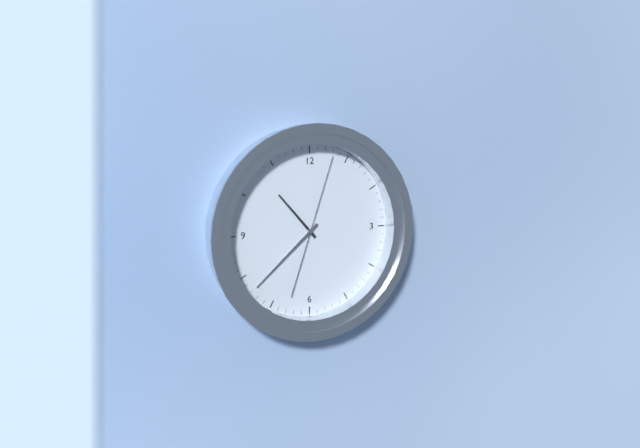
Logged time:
10:38:03
